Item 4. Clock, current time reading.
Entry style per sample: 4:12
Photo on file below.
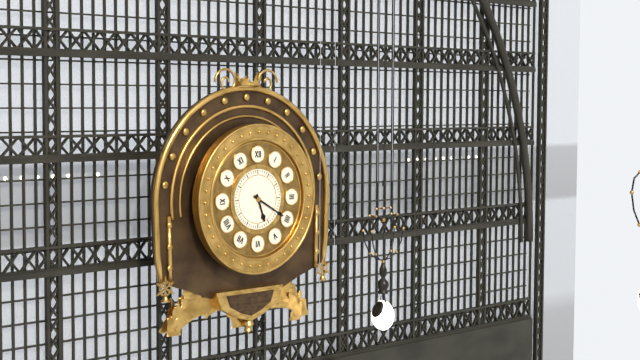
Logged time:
5:20
